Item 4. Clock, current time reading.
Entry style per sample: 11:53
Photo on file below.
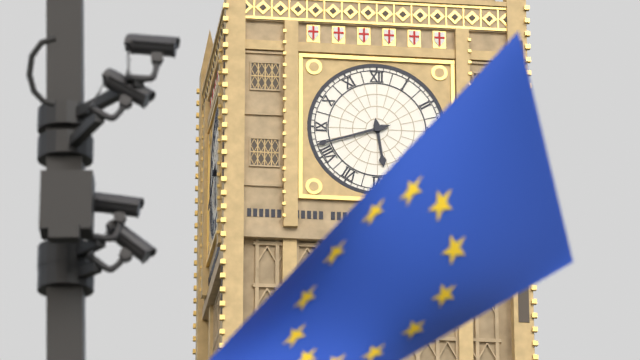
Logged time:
5:42
